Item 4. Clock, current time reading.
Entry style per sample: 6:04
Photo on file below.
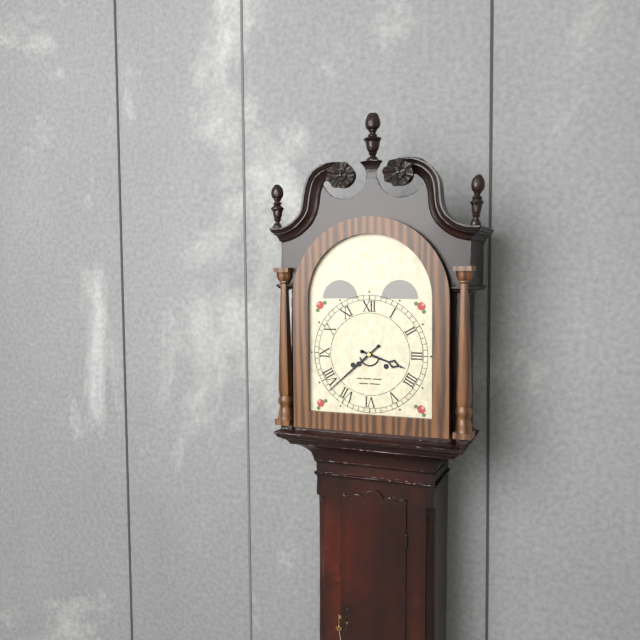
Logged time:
3:38
